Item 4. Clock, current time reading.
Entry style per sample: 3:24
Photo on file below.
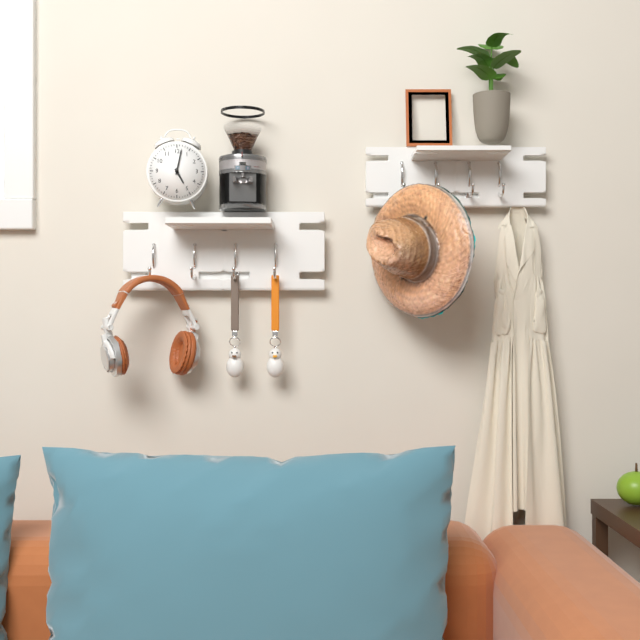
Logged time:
5:02
